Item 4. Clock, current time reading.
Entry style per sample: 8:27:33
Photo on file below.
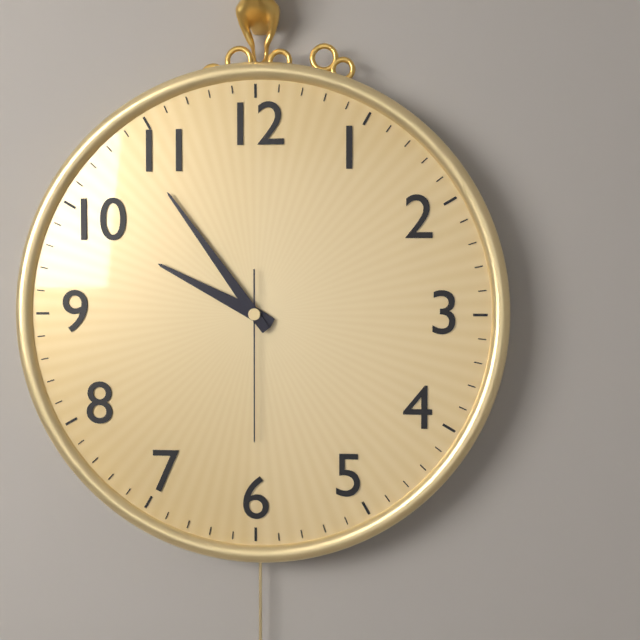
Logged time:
9:54:30
